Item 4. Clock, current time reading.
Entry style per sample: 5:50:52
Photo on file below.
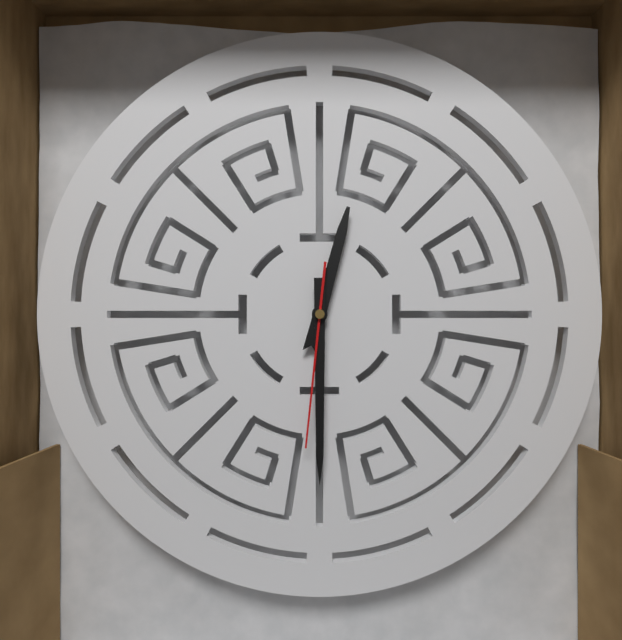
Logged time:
12:30:31
